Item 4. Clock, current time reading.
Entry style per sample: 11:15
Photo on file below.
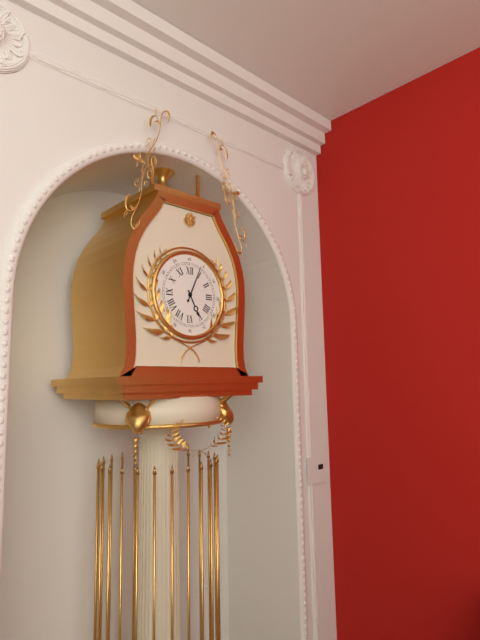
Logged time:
5:04
